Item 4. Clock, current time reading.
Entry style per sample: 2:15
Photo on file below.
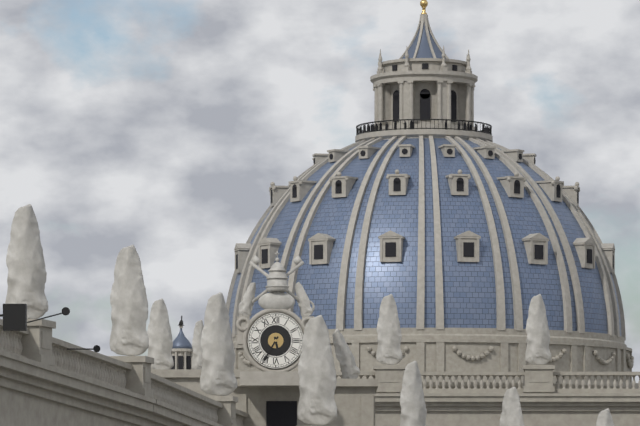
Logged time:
5:35
